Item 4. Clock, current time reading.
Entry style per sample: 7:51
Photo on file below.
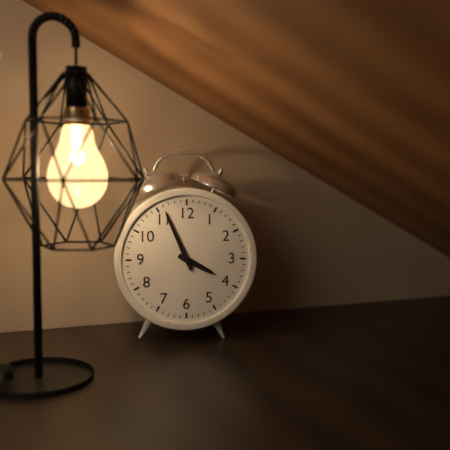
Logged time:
3:56
